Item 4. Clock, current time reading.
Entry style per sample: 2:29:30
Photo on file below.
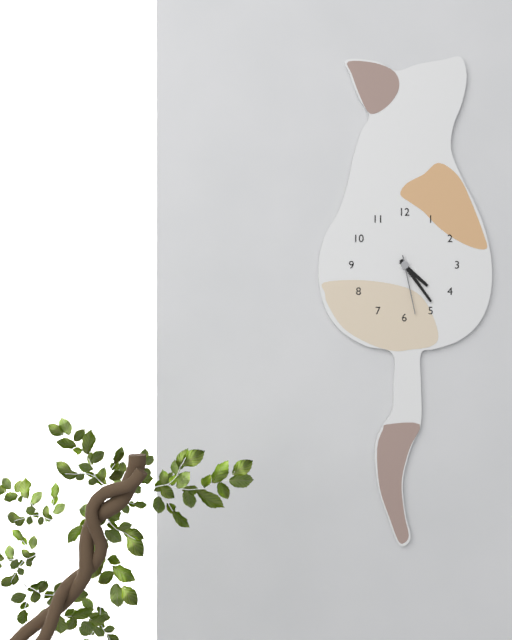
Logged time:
4:24:28
